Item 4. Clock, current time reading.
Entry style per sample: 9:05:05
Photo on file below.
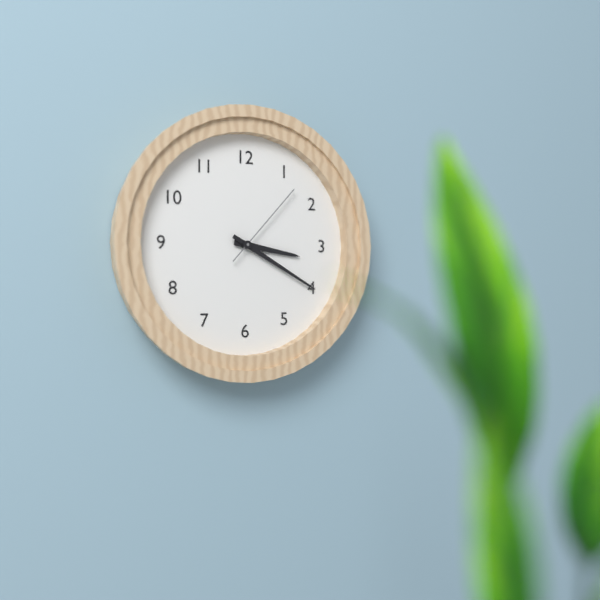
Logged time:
3:20:07
